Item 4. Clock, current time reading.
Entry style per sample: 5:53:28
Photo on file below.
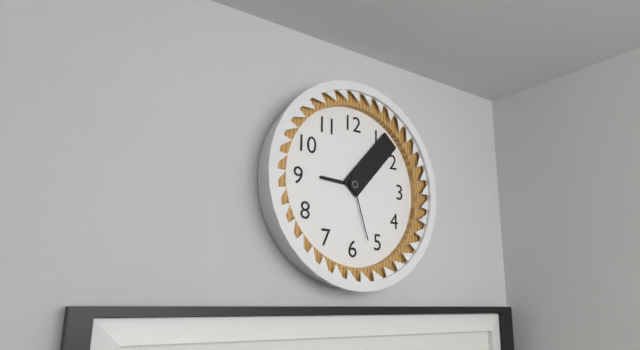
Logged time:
9:07:27
